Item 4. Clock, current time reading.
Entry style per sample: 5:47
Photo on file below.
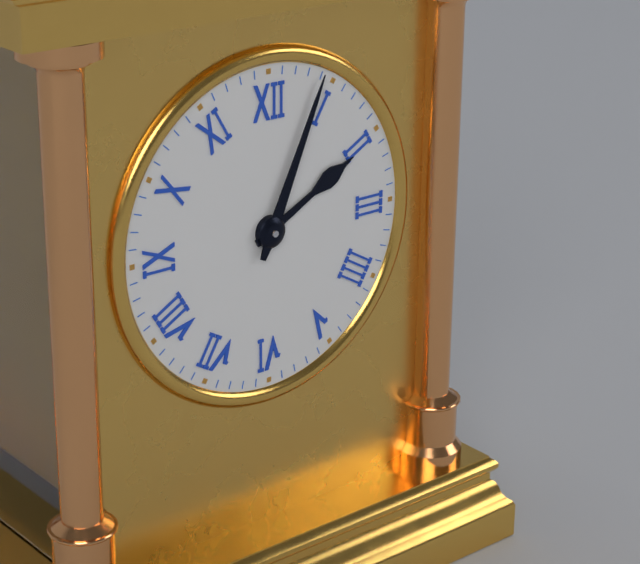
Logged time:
2:04
